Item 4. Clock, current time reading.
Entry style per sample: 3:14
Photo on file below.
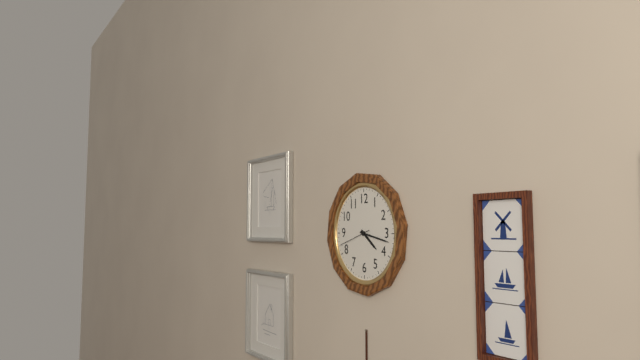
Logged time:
4:17
